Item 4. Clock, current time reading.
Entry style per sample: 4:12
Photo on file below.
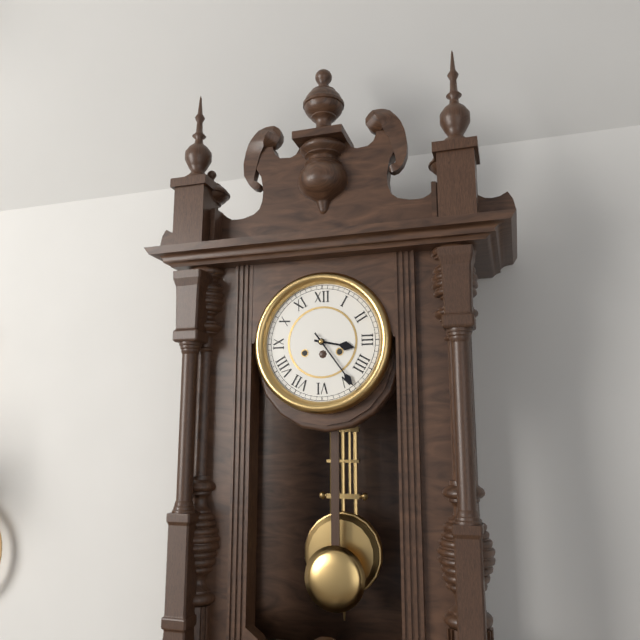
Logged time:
3:24
